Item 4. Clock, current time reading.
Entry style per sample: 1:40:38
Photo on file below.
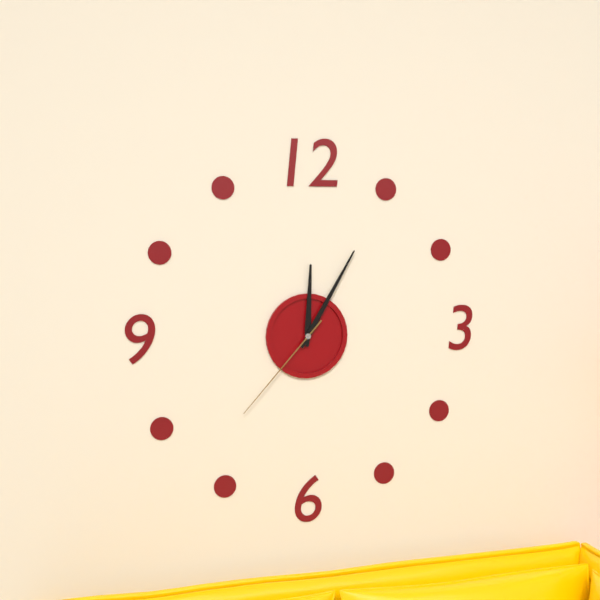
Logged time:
12:05:37
